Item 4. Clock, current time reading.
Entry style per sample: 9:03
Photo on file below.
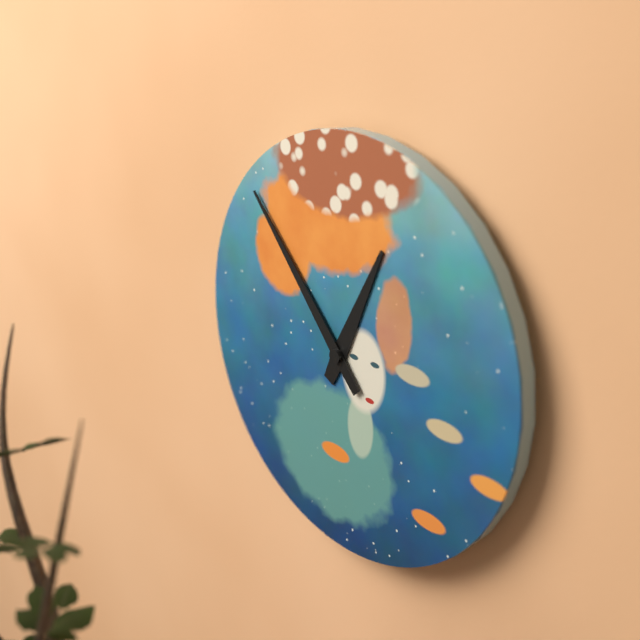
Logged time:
12:53
